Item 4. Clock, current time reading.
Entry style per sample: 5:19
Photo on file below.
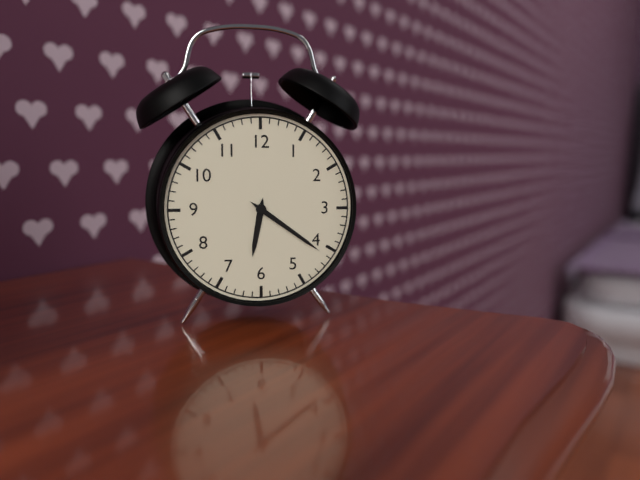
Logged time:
6:21
